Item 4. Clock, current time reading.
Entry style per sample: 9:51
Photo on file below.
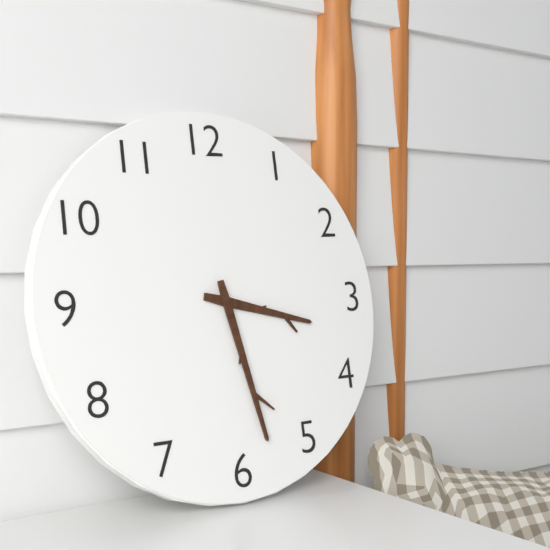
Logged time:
3:28
